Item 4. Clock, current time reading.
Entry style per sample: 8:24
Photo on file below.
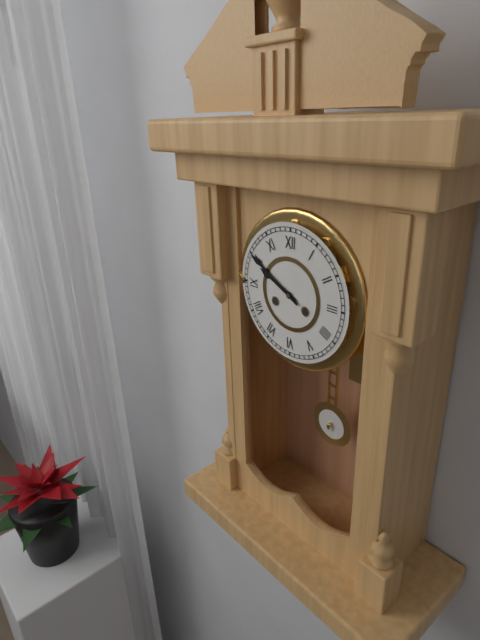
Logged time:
9:50
